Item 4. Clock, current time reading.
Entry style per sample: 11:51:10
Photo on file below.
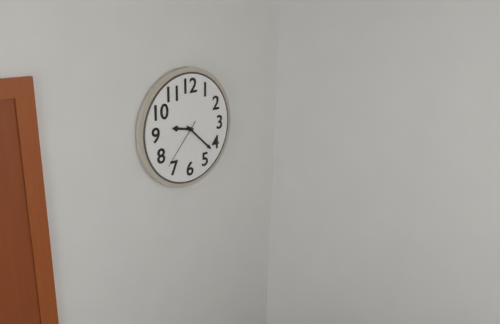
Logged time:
9:22:37
